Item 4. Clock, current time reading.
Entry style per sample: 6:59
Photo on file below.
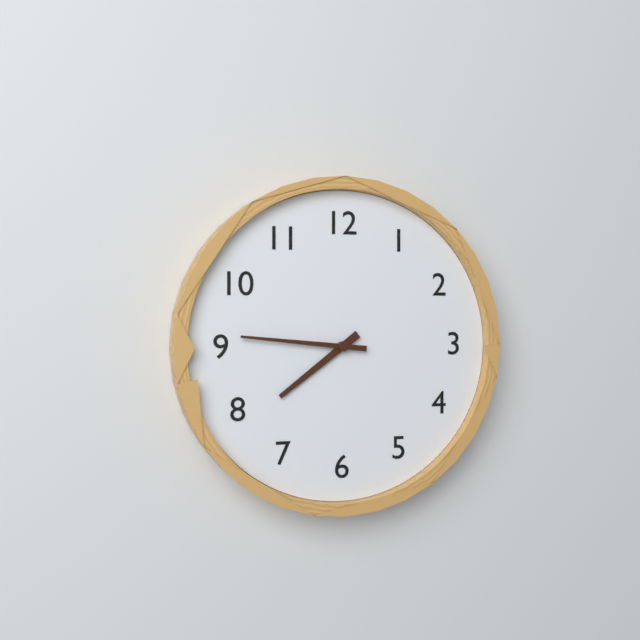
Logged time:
7:46
